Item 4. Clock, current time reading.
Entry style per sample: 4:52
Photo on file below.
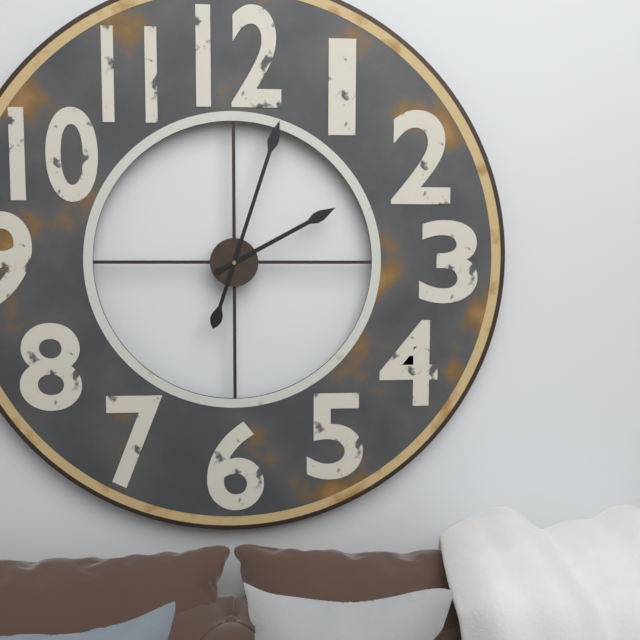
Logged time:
2:03
